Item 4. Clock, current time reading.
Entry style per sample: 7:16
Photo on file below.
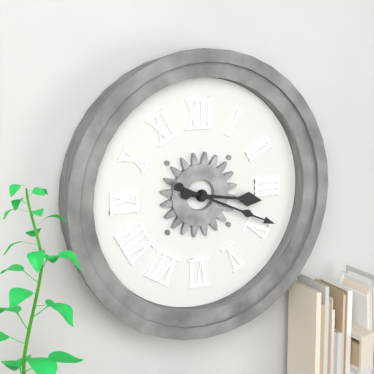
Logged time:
3:19
